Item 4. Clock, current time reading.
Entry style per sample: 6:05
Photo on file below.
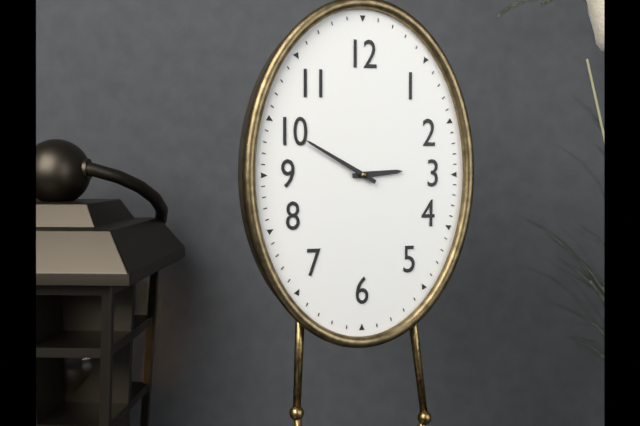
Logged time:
2:50
